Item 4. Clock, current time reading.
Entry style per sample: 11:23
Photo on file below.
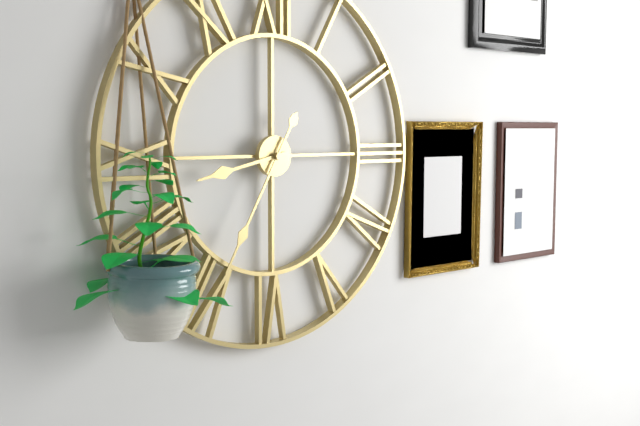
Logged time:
8:35
